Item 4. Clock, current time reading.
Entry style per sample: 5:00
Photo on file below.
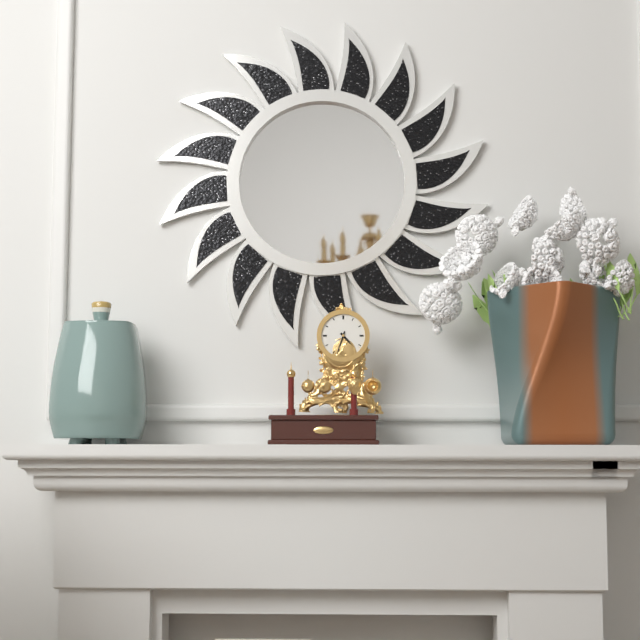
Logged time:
4:33
